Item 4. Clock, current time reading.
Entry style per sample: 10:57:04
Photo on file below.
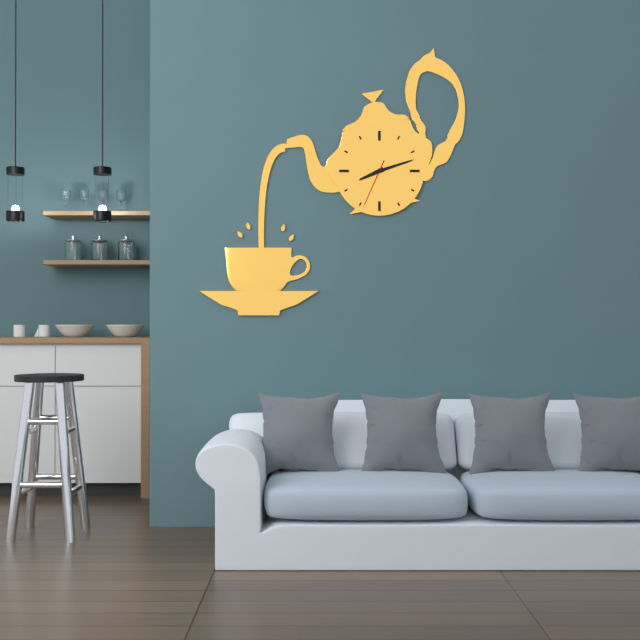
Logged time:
8:12:34
